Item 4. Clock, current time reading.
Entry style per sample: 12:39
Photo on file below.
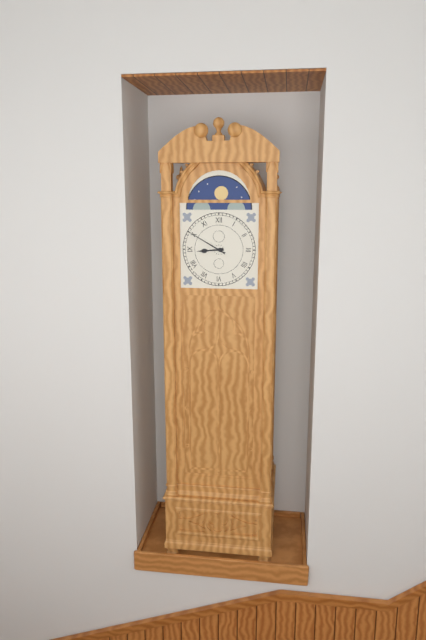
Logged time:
8:50
